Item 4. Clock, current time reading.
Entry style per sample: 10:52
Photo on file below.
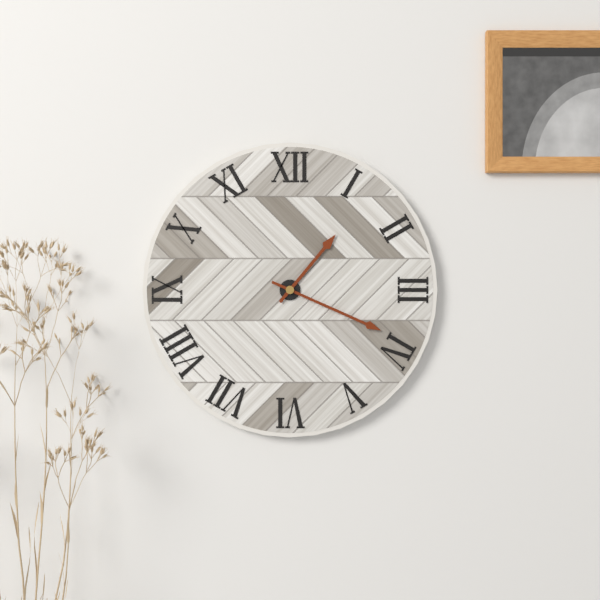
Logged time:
1:19
